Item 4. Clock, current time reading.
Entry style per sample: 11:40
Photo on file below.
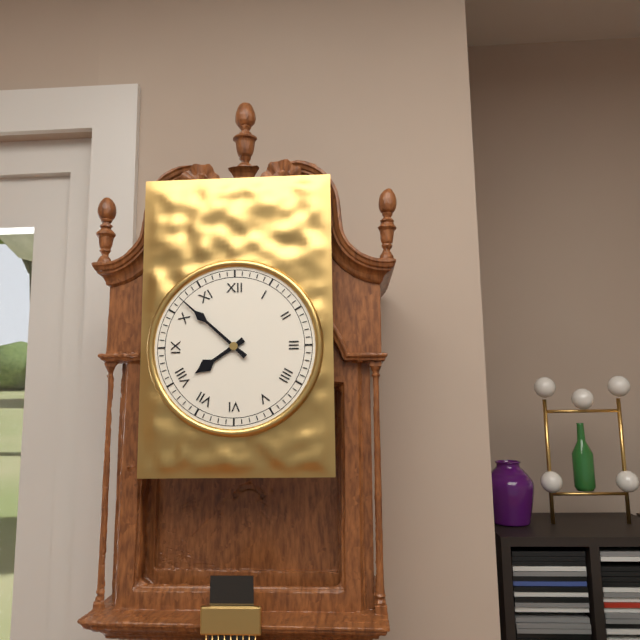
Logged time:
7:52
